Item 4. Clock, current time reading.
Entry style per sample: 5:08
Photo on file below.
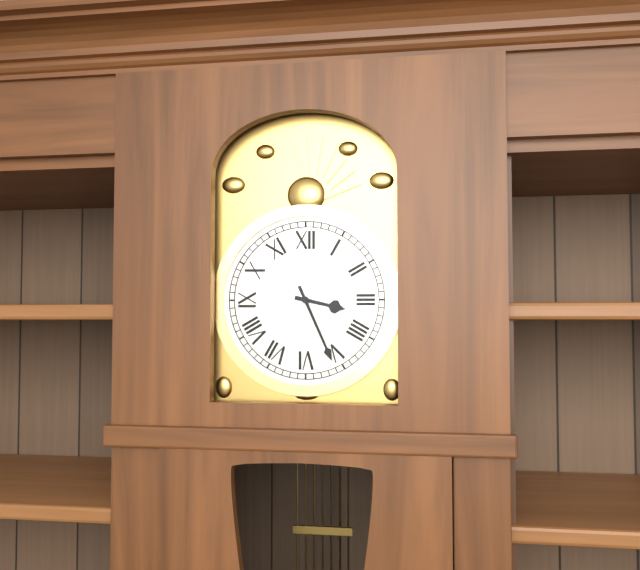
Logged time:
3:26
